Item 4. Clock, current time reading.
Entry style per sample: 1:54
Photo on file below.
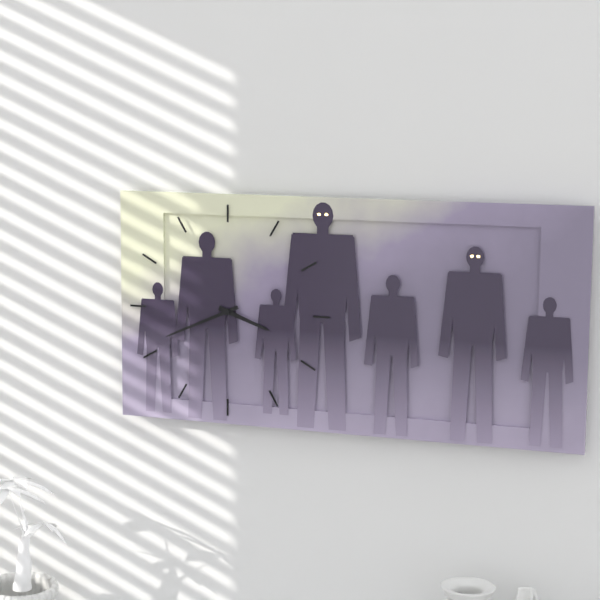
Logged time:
3:41
